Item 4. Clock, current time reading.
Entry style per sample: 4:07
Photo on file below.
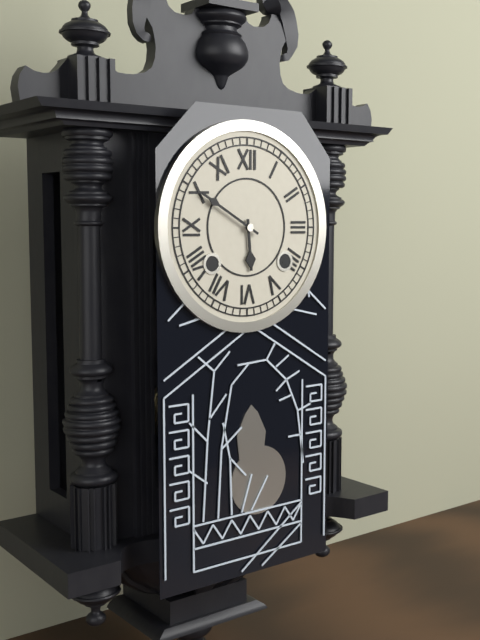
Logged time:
5:50
